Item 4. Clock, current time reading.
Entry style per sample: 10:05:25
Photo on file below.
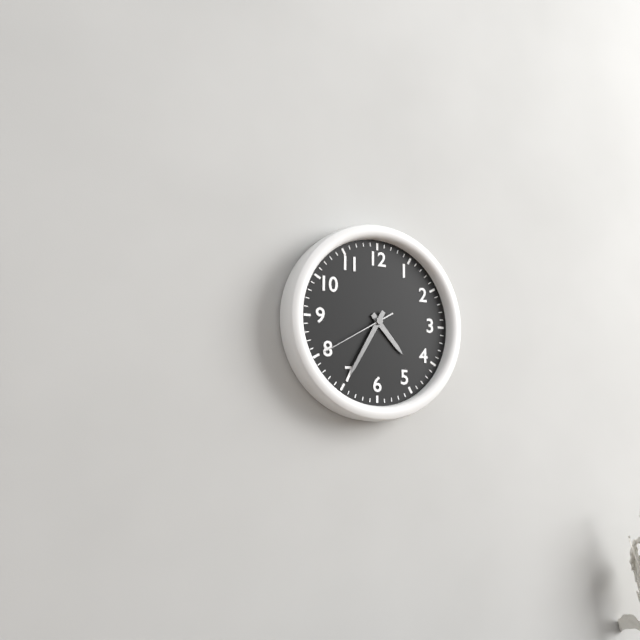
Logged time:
4:35:40
